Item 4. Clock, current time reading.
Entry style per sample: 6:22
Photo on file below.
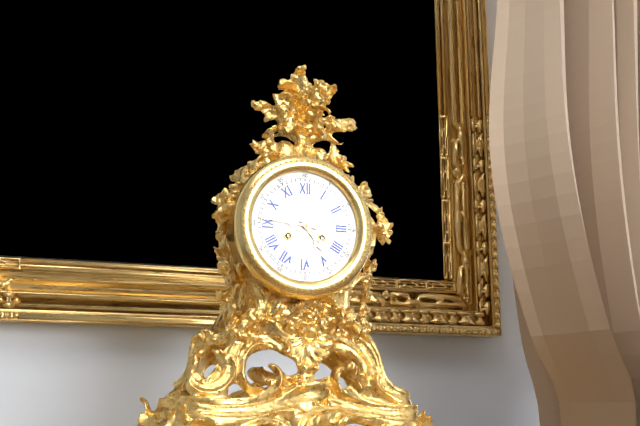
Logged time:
4:46
